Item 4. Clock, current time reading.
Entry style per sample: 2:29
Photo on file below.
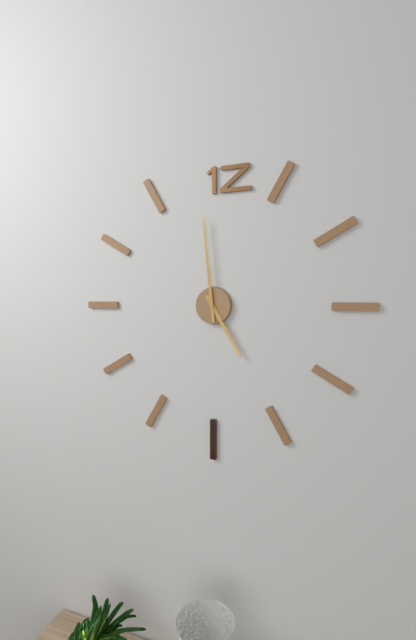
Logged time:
4:59
